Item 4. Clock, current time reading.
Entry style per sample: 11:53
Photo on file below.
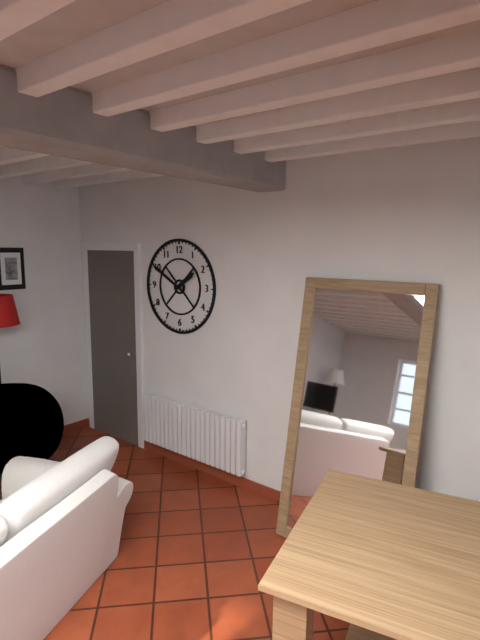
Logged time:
1:50
